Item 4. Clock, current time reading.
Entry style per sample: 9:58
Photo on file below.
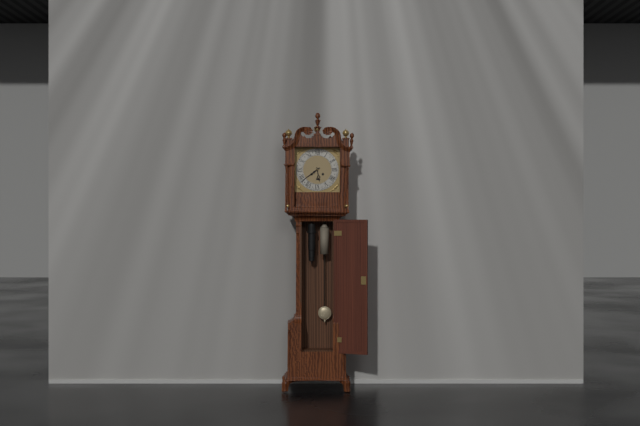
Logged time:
5:39
